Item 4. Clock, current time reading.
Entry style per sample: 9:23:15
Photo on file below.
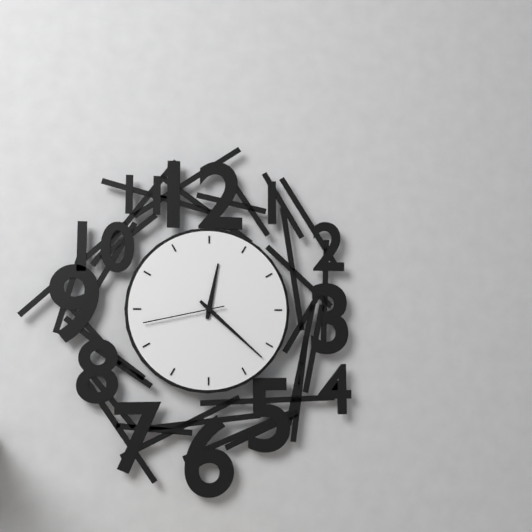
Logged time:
12:22:43
